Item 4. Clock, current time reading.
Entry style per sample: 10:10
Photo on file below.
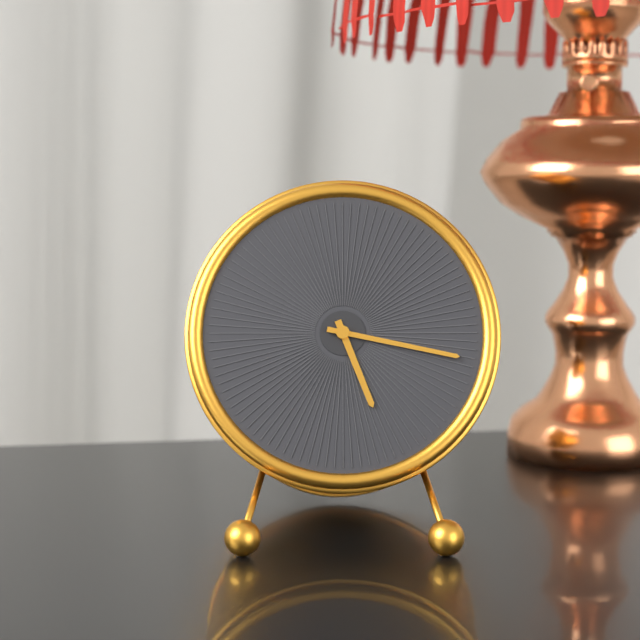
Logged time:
5:17
